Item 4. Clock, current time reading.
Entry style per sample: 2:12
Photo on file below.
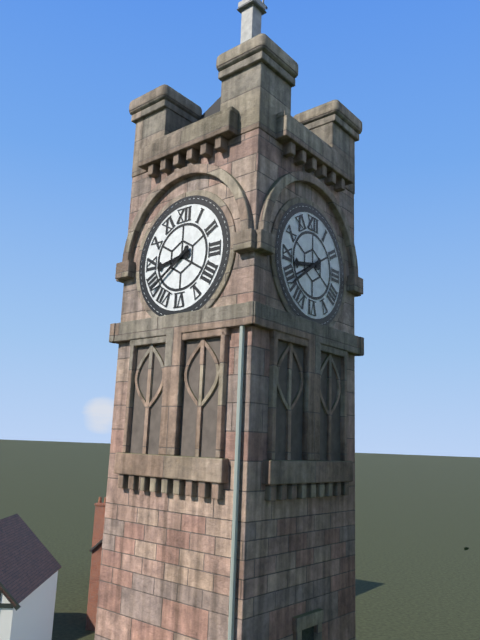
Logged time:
8:39
